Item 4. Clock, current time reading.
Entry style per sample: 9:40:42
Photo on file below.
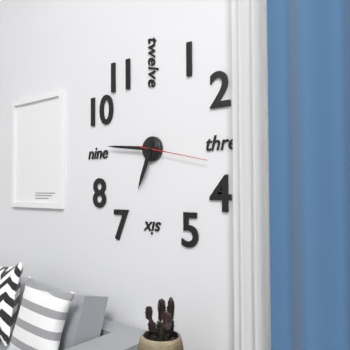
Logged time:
6:46:17
